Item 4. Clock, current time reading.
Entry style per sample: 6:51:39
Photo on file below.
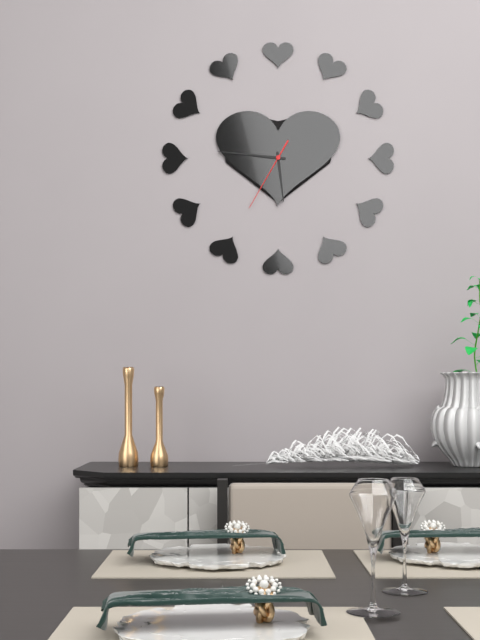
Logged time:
5:46:35
